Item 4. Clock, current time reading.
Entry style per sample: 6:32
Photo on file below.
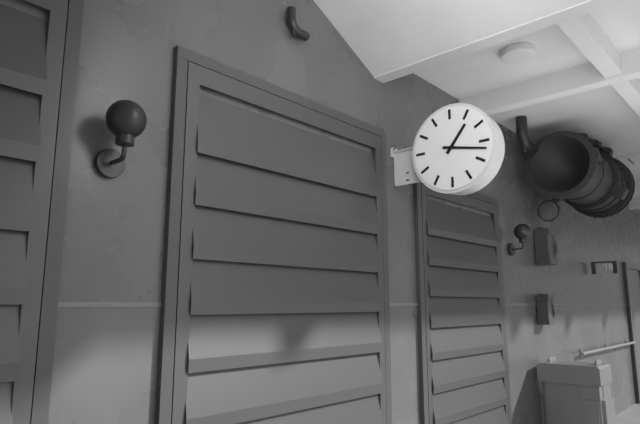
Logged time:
1:17
